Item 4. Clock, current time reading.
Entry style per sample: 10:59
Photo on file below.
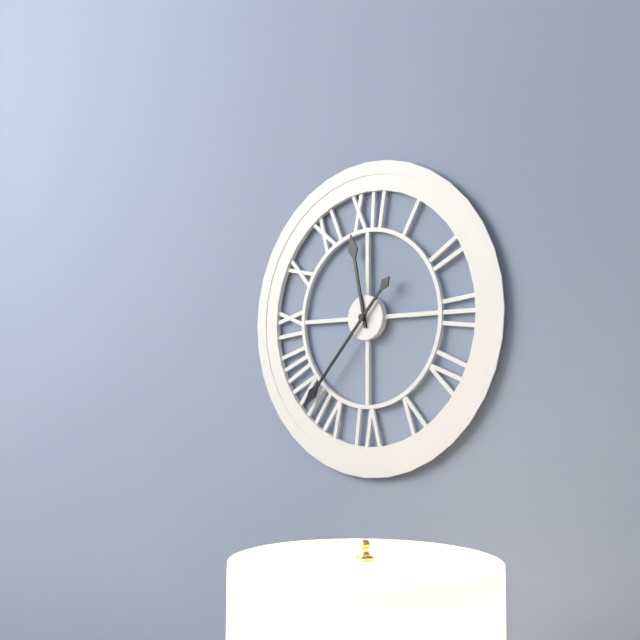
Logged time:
11:37
